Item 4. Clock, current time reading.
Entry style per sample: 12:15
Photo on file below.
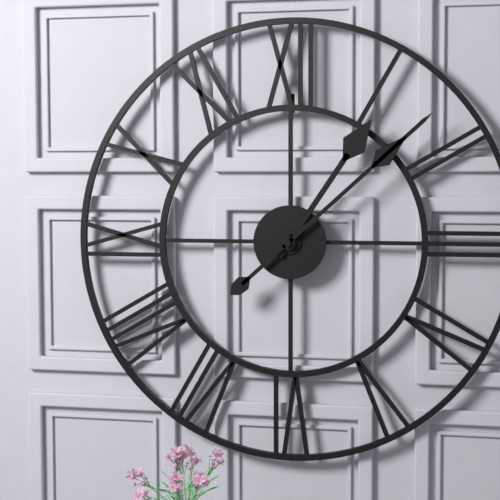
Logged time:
1:08
